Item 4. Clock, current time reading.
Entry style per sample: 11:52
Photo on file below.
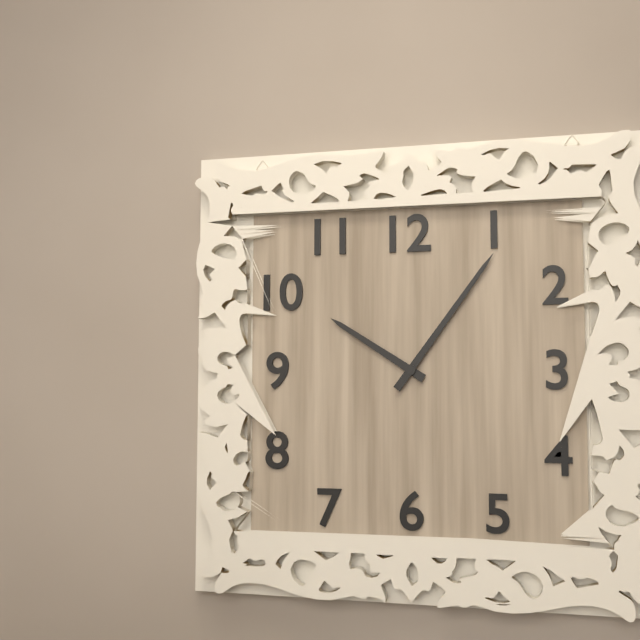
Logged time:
10:06
